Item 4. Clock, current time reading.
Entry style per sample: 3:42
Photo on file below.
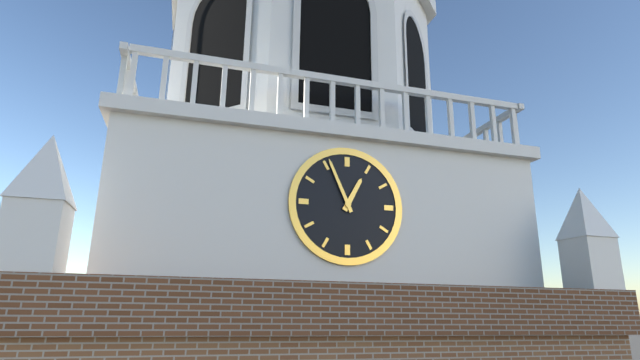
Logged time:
12:56
